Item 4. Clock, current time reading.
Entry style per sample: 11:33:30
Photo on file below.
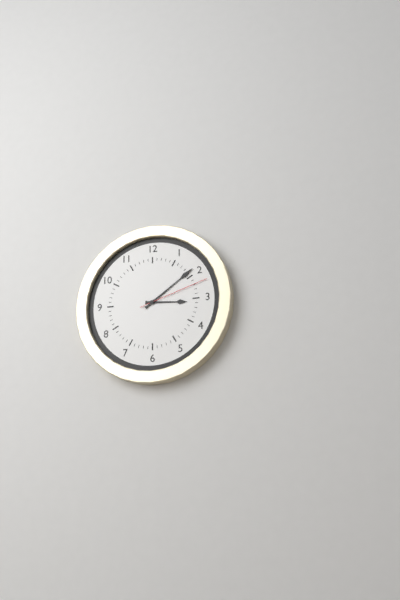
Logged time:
3:09:12
